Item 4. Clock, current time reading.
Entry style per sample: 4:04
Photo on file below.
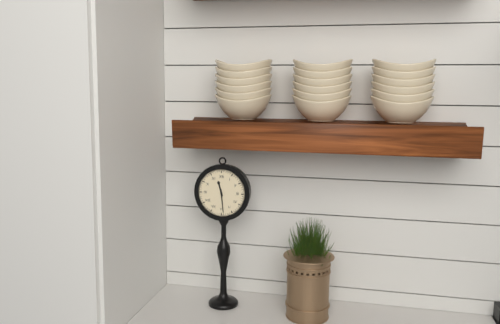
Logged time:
11:29
